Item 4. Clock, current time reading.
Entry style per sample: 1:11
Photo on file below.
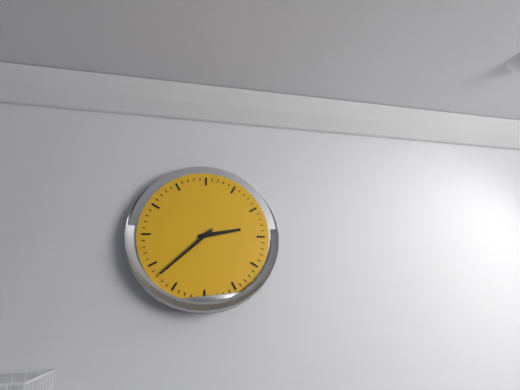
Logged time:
2:38
